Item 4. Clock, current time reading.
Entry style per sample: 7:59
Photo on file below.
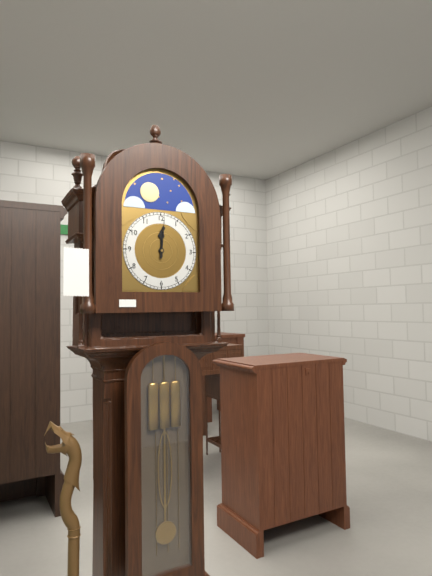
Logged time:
12:01
